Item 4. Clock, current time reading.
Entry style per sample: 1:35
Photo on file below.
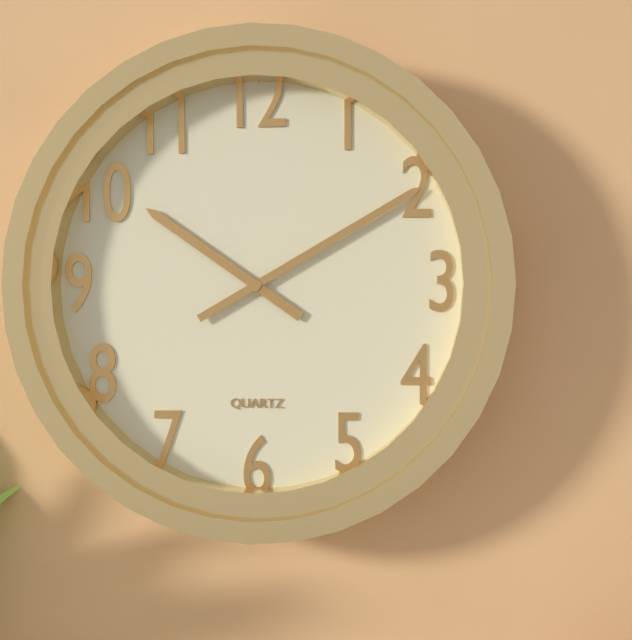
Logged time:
10:10
